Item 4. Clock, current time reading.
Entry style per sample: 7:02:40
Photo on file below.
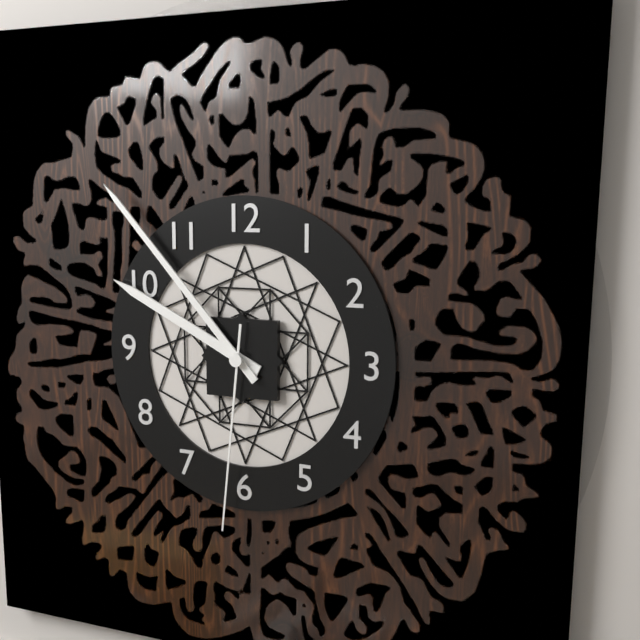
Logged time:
9:53:31
